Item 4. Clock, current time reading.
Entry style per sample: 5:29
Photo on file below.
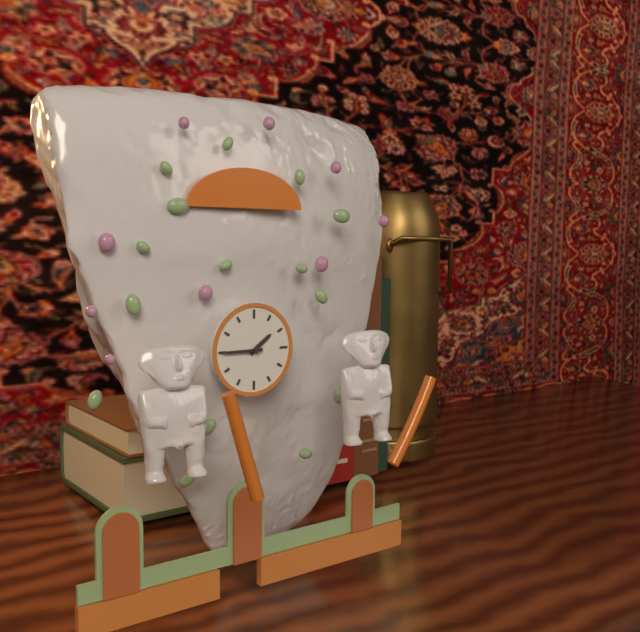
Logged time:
1:45
